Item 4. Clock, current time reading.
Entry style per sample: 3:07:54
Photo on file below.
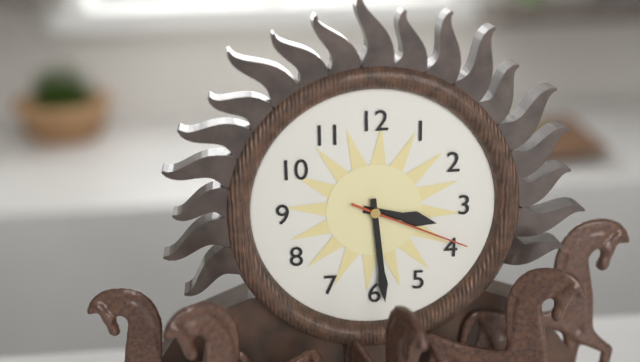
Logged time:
3:29:19
